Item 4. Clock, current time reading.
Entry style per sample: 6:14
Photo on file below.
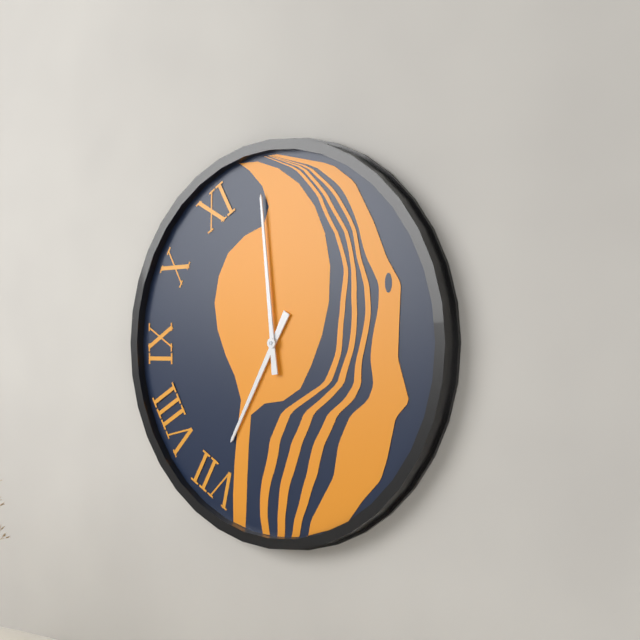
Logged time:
6:59
